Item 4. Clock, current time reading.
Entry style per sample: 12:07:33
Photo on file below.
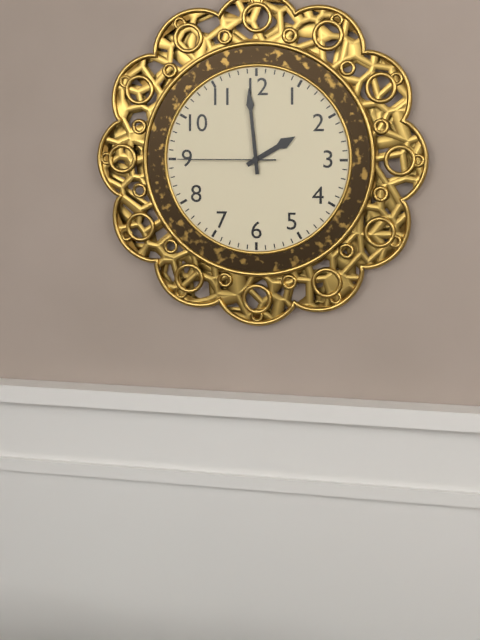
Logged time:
1:59:45
